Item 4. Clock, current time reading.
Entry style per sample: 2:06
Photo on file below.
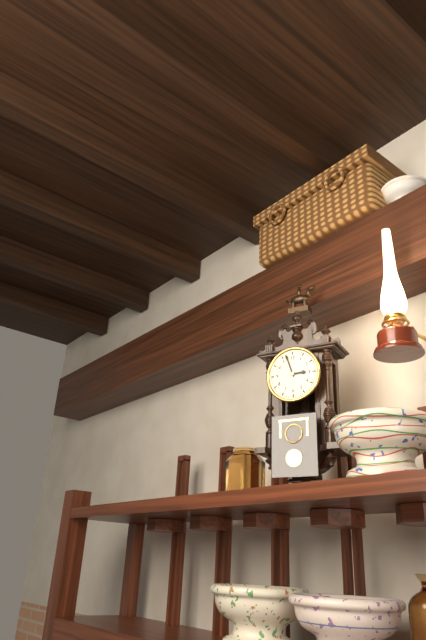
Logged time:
2:57
